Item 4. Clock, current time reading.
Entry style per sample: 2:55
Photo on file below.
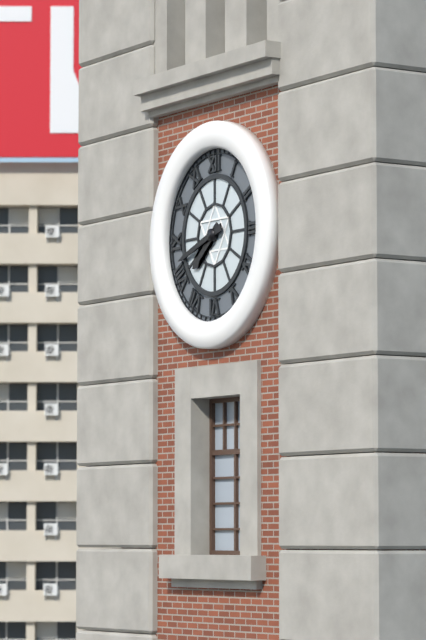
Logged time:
7:42
